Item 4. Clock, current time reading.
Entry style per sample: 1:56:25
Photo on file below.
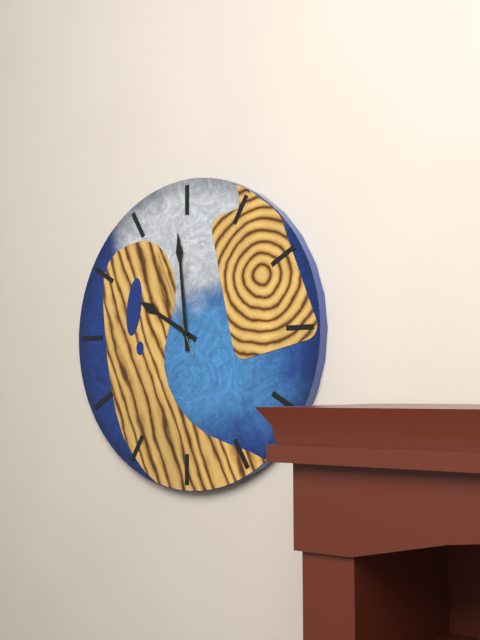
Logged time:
9:59:56
